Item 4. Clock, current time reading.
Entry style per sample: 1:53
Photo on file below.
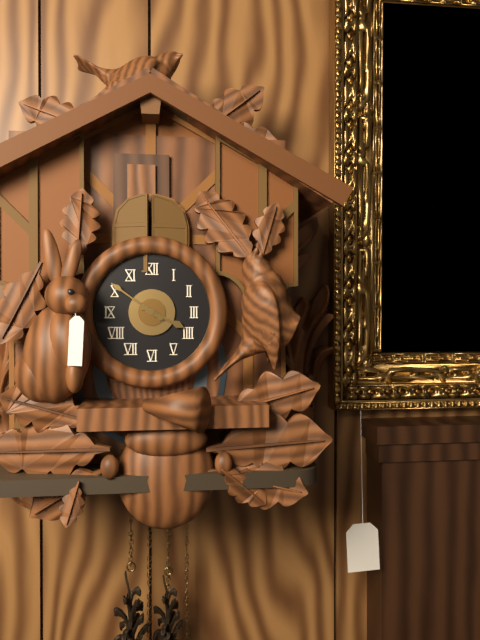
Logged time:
3:51
